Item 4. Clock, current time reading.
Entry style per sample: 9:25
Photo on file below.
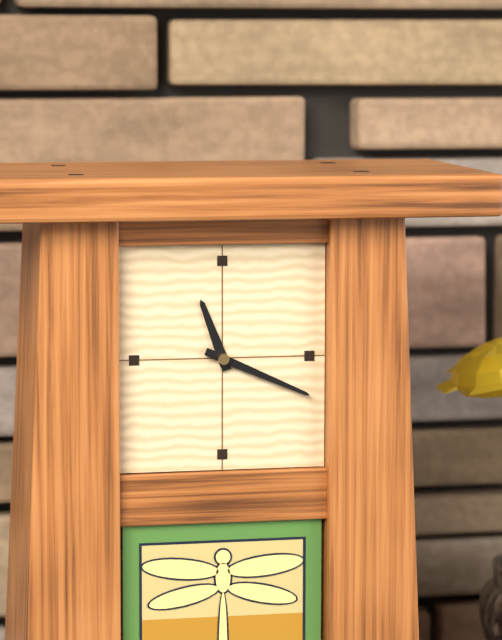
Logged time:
11:19
